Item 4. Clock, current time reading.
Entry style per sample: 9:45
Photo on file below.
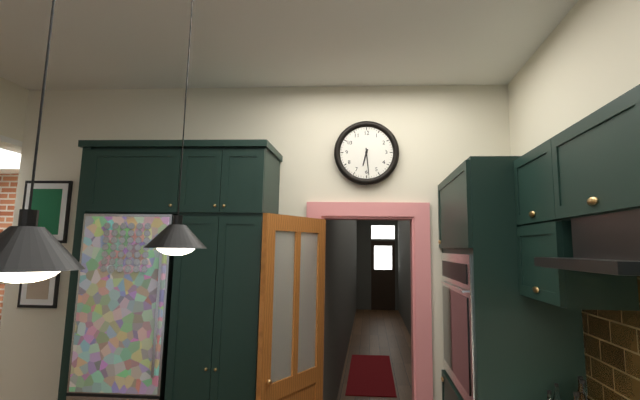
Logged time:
6:29
